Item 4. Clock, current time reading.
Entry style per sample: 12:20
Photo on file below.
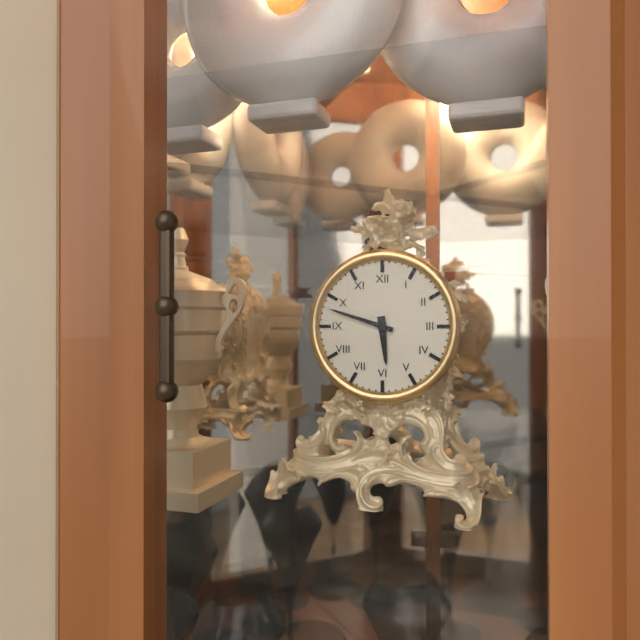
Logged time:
5:48
